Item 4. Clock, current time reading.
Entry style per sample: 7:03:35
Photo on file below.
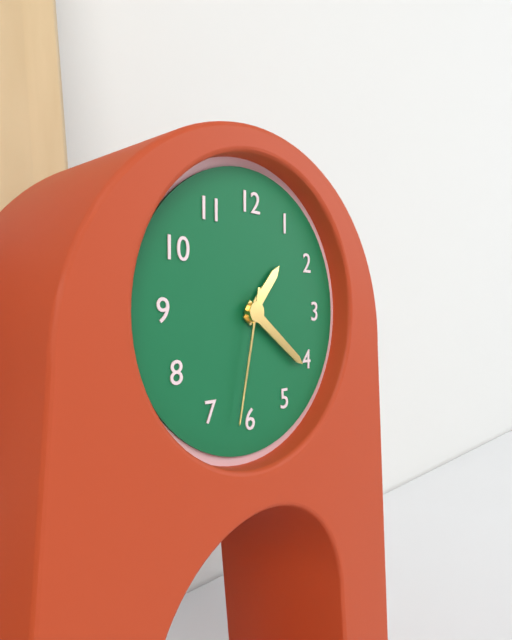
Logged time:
1:21:32
